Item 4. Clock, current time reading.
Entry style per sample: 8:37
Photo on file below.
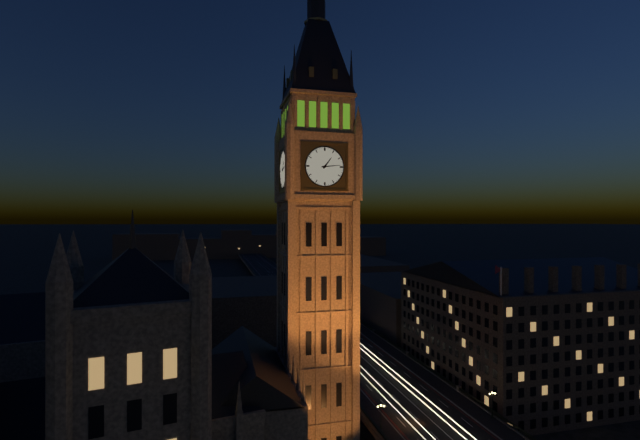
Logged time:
1:14
